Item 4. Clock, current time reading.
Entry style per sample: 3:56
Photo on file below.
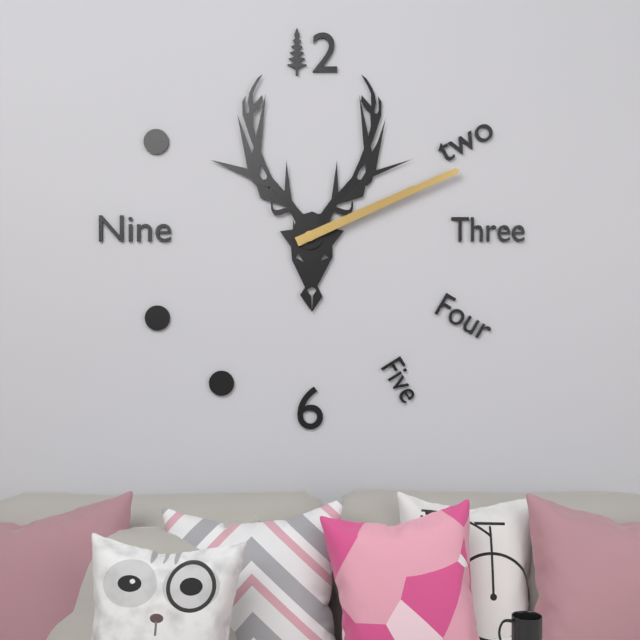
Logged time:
2:11
